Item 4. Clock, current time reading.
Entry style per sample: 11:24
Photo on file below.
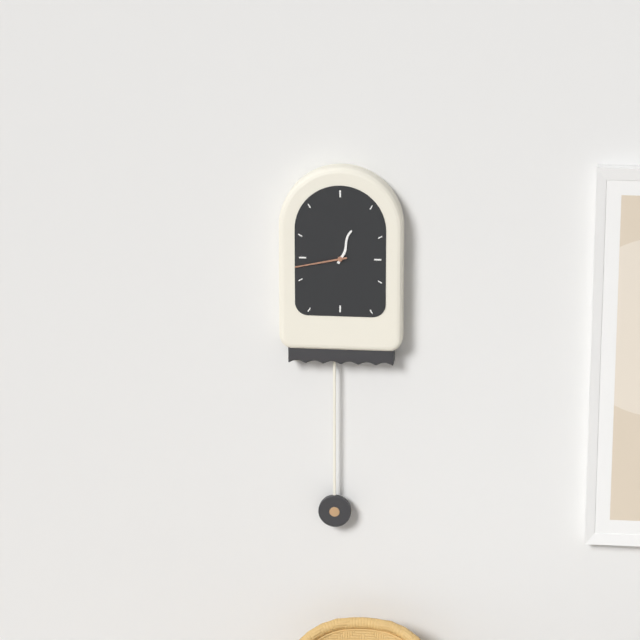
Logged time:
12:43
